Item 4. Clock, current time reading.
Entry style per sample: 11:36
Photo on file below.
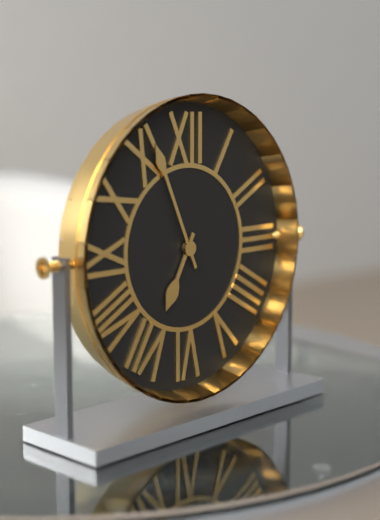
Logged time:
6:56
